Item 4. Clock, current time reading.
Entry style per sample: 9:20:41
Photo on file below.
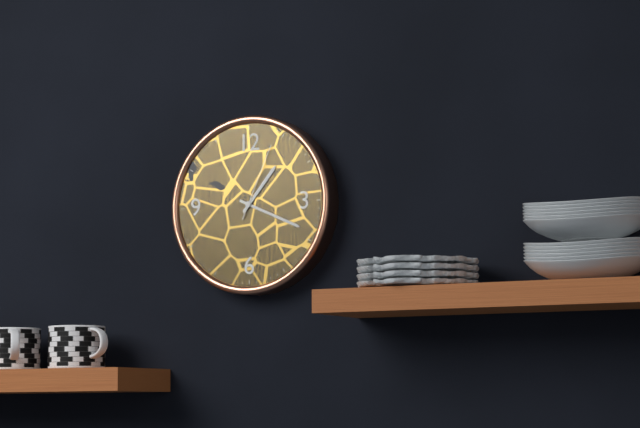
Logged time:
1:19:04
